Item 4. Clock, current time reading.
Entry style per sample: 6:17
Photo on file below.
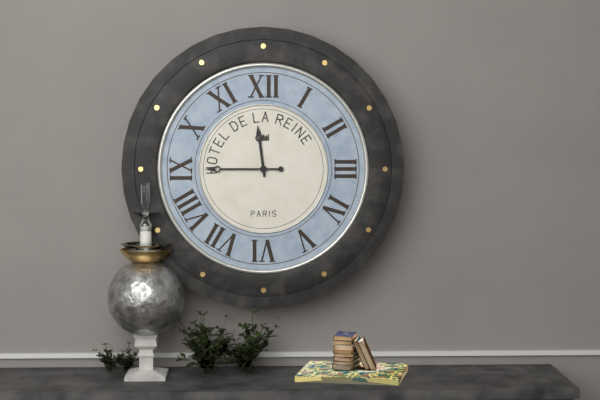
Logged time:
11:45
